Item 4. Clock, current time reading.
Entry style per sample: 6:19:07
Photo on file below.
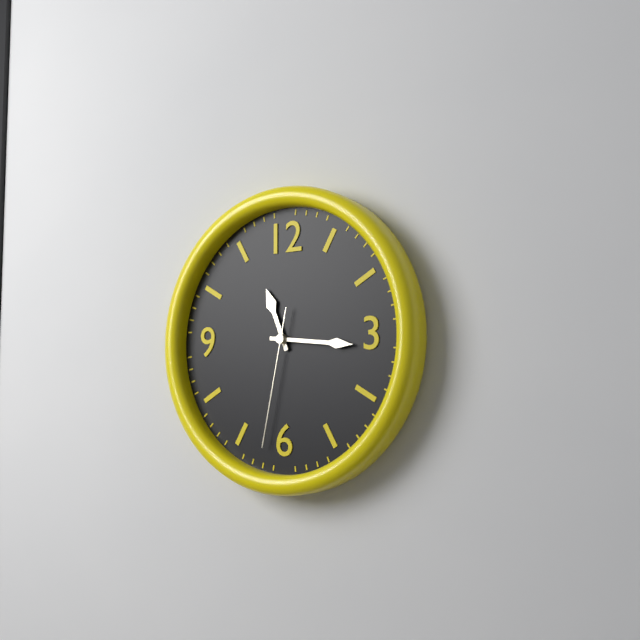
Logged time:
11:16:32
